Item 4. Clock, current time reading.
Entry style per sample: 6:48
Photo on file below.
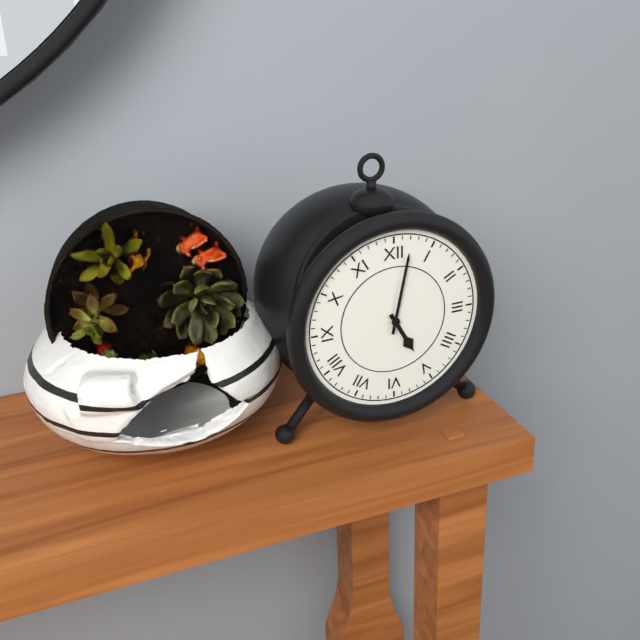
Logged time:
5:02
